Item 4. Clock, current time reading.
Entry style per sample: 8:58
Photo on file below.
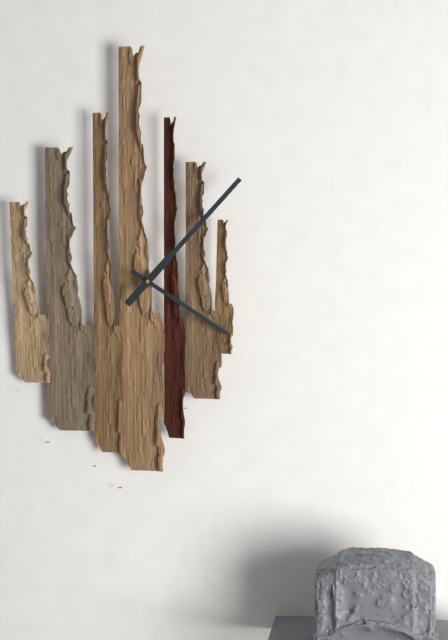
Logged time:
4:07
